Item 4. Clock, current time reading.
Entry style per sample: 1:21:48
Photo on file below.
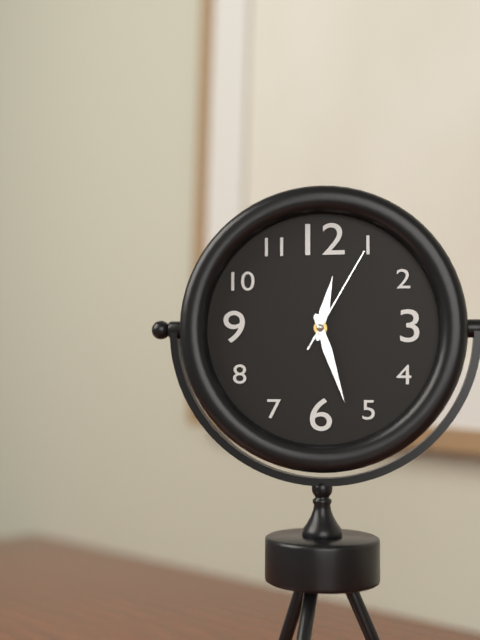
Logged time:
12:27:05
